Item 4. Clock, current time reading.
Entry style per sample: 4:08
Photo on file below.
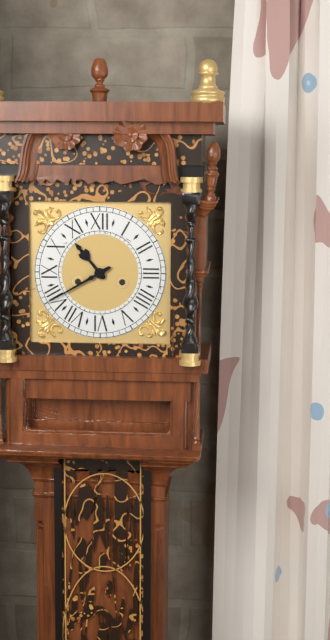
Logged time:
10:40
